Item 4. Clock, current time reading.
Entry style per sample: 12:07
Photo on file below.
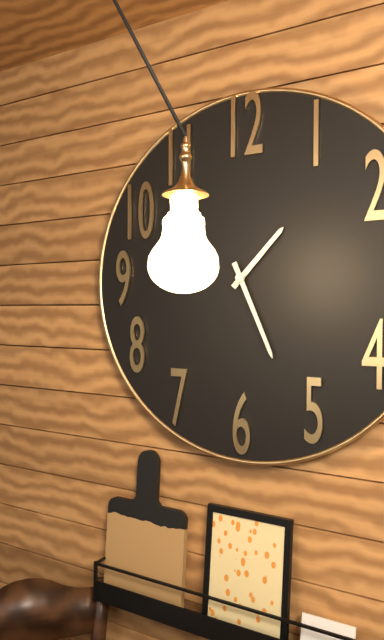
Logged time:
1:26
